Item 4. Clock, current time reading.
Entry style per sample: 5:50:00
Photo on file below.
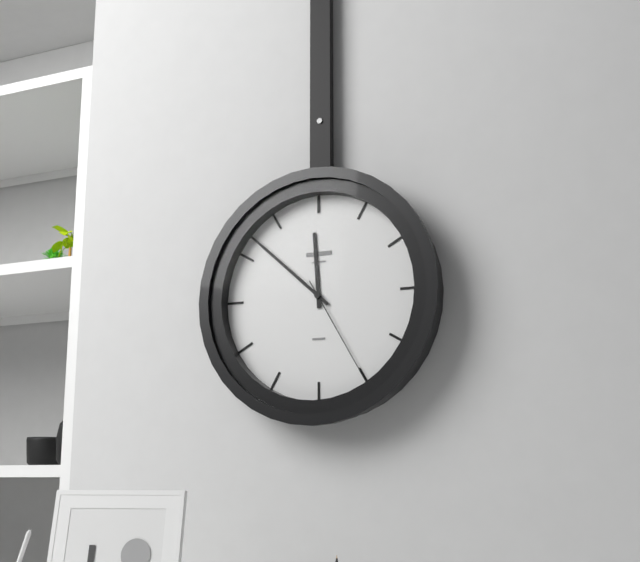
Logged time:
11:52:25
